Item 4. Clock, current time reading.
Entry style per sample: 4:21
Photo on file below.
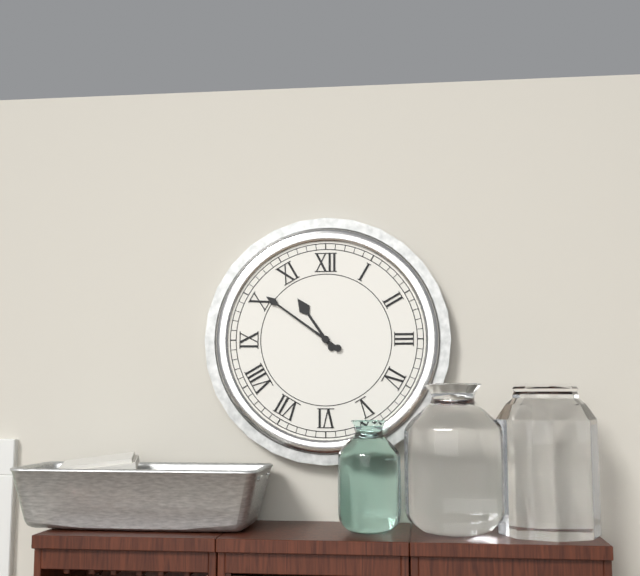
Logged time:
10:51
